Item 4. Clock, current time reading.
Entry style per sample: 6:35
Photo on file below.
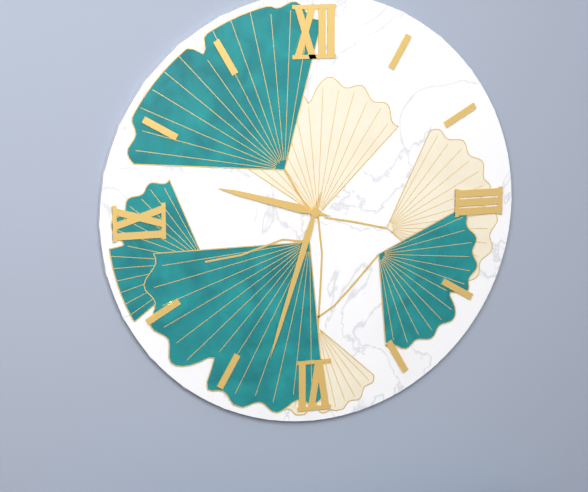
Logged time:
9:33
